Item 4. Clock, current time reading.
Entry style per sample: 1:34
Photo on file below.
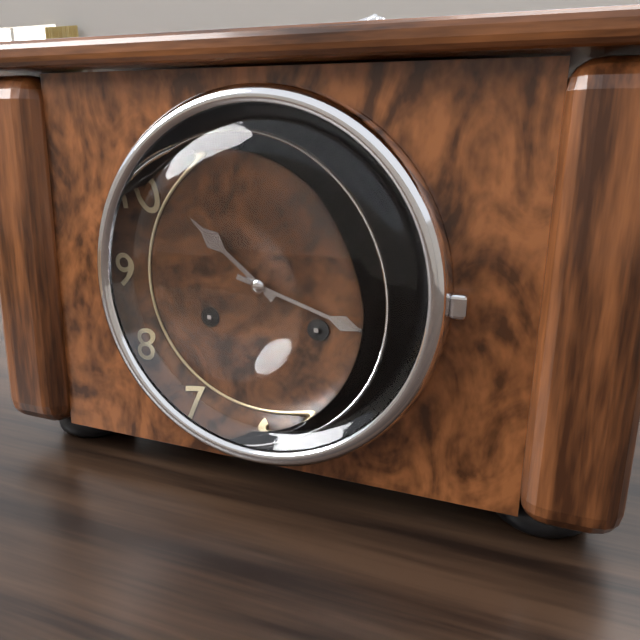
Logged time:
10:18
